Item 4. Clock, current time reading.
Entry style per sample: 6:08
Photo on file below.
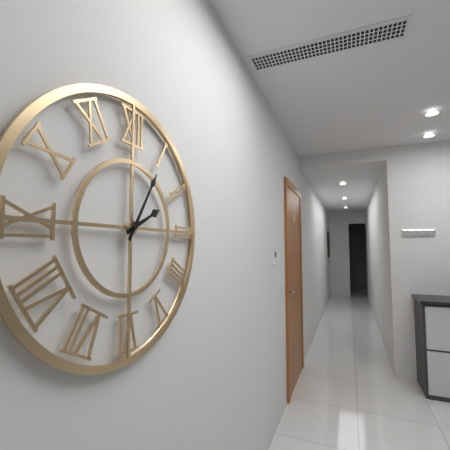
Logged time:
2:05
